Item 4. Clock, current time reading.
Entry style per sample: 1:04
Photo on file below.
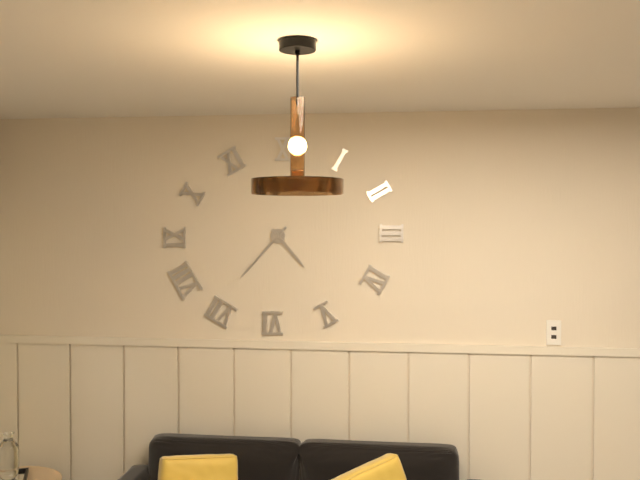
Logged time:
4:37
